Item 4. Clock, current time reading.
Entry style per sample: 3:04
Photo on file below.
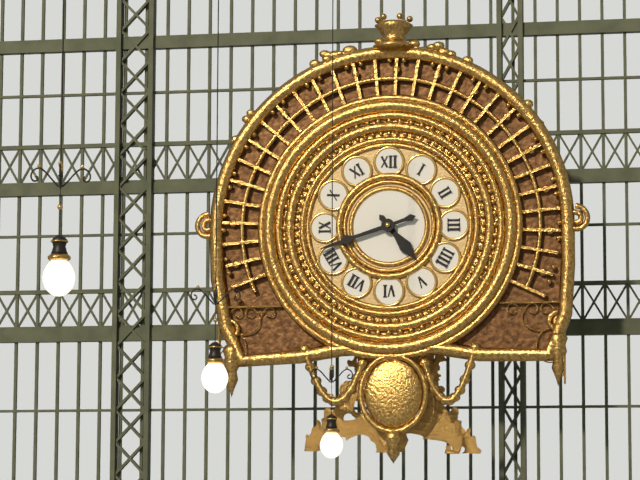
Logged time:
4:42
